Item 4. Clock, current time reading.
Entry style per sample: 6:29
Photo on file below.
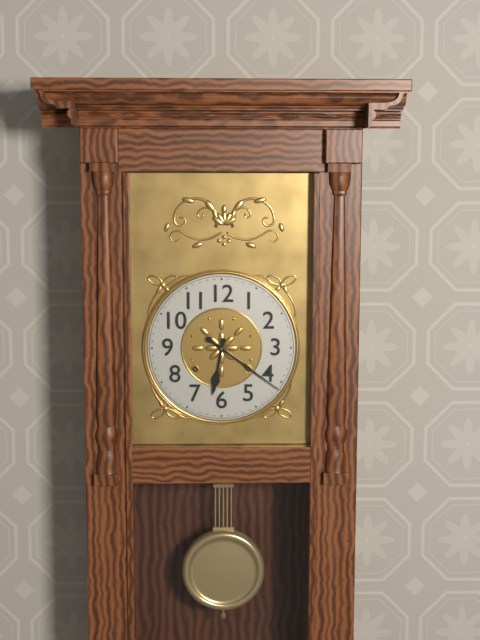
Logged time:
6:21
